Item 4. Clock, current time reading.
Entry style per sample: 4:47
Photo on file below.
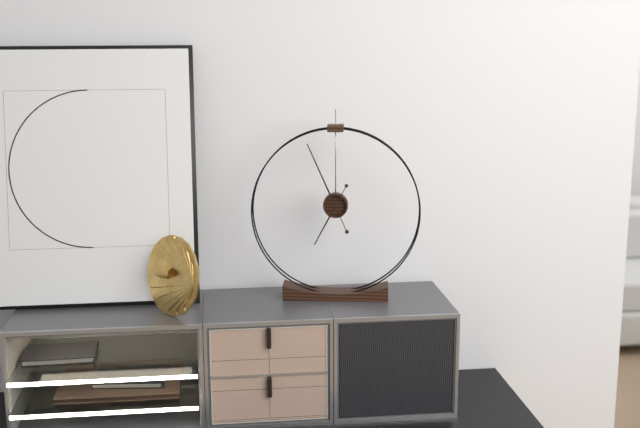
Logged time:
6:56
